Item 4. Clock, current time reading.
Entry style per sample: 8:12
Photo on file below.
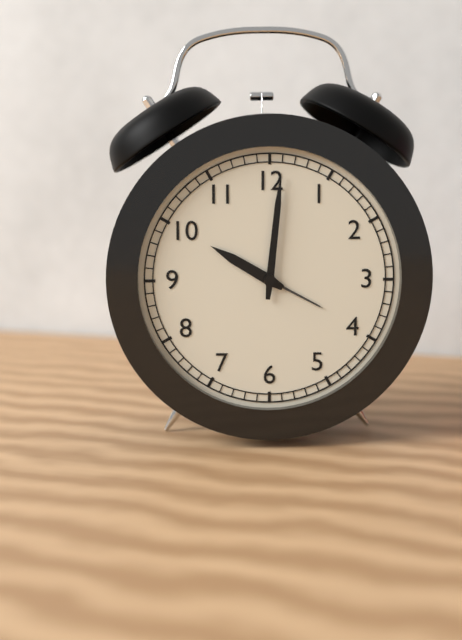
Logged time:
10:01
